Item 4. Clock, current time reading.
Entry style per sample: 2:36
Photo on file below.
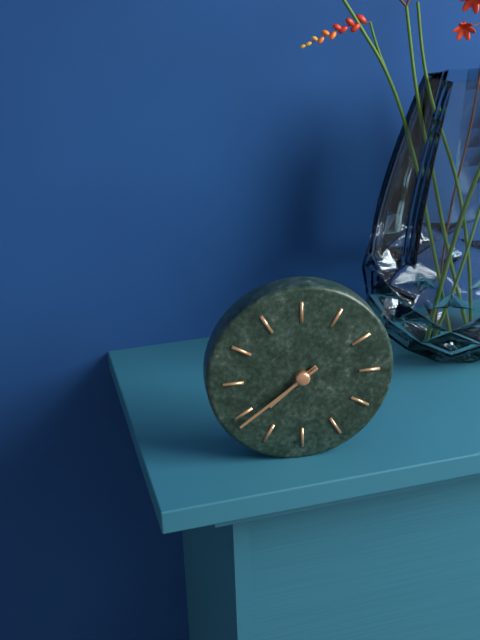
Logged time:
7:39
